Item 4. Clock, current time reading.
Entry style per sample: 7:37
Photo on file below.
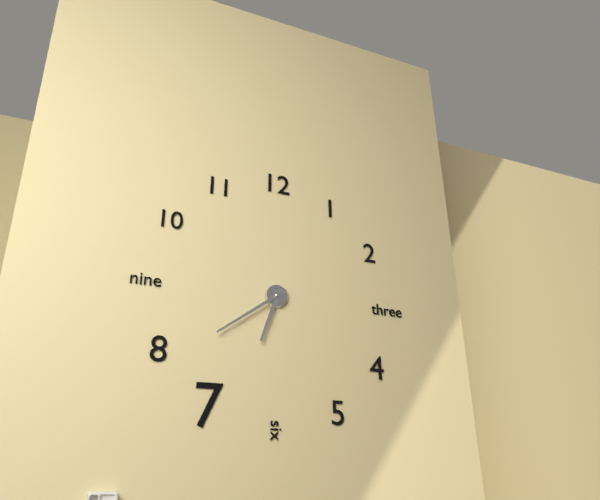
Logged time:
6:39
